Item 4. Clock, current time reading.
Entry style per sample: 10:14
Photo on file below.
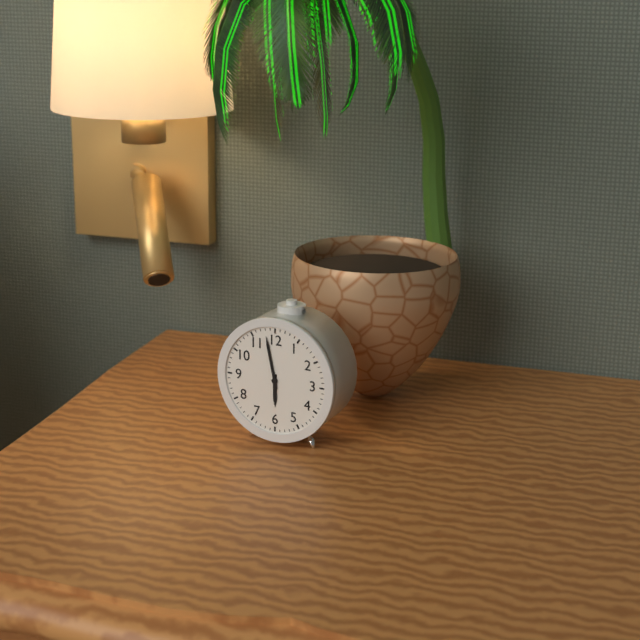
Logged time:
5:58
